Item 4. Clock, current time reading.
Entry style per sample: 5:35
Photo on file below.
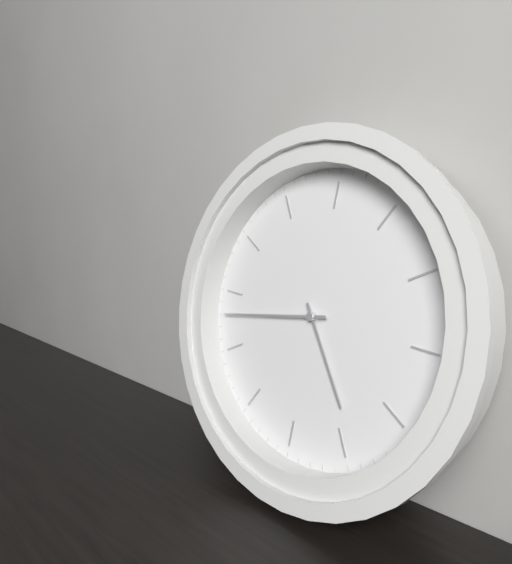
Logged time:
5:48
